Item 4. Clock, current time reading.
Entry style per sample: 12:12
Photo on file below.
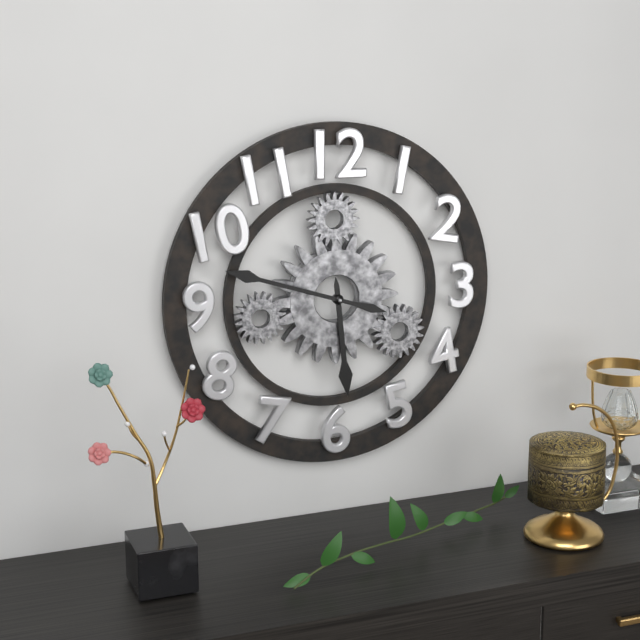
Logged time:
5:48
